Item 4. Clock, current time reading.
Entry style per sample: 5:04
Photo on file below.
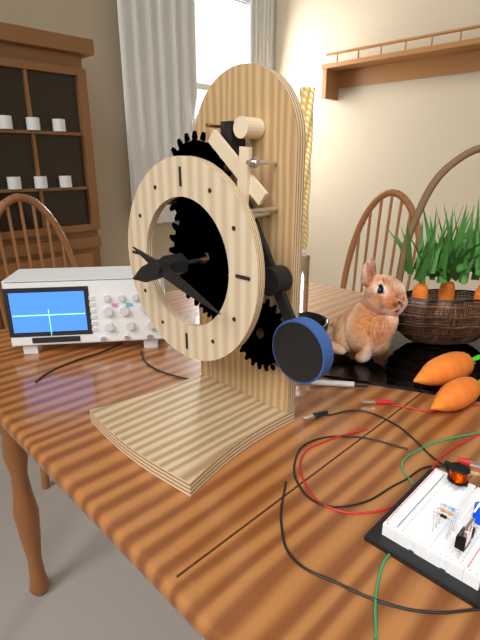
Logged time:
8:18
